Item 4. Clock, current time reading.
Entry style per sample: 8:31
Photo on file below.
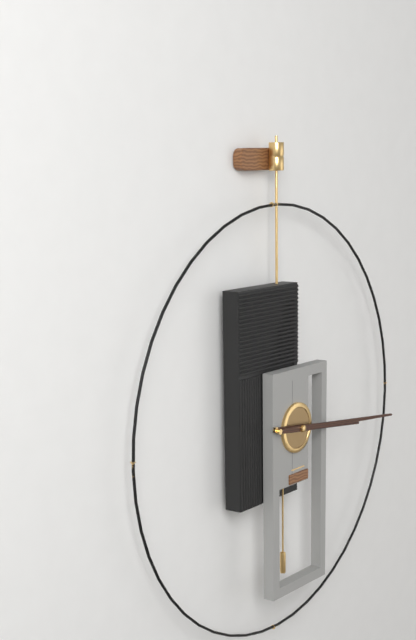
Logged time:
3:16
